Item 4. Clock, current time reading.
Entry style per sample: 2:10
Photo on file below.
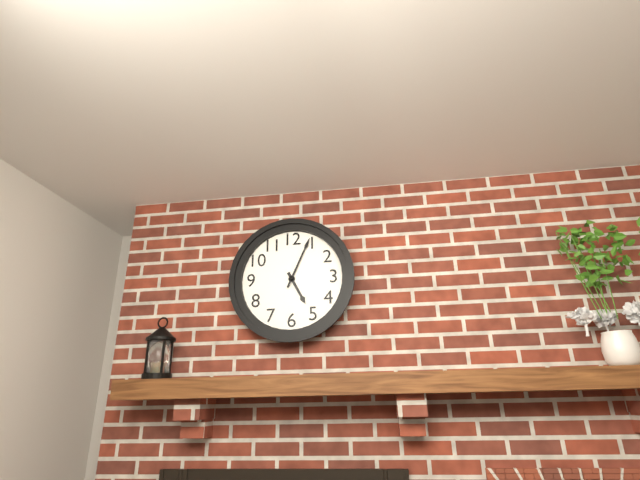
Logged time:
5:04
